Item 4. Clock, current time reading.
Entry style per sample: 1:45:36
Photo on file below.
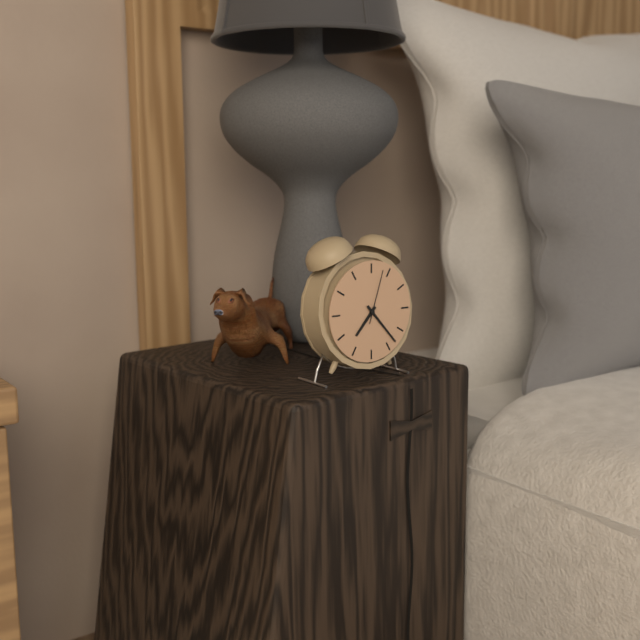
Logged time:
7:23:03
